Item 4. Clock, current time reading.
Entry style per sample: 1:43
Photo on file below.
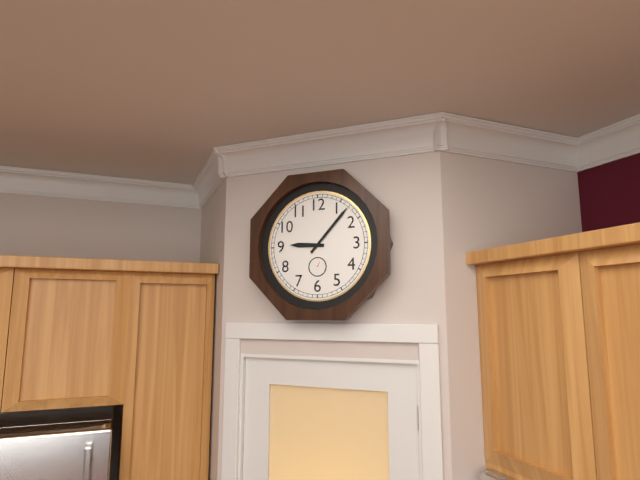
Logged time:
9:07
